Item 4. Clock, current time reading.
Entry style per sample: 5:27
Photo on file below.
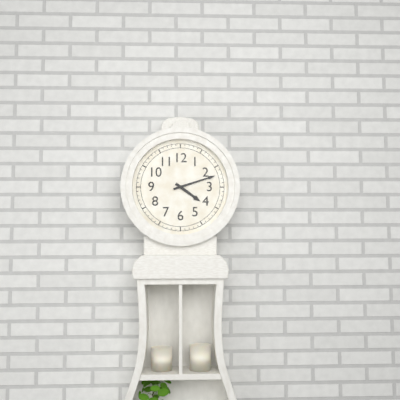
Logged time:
4:12
